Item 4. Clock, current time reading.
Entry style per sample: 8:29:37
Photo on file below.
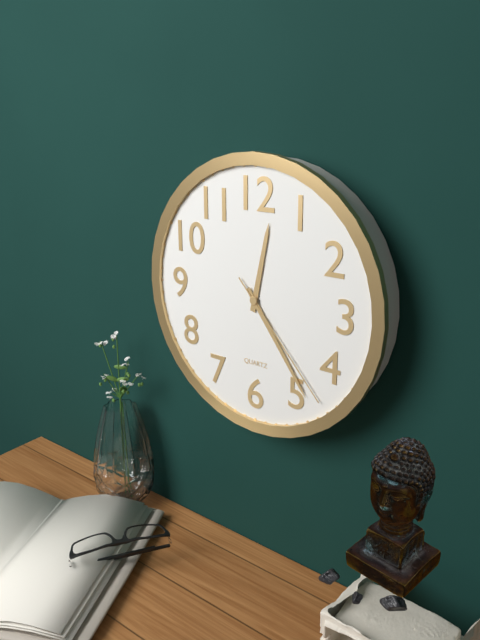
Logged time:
12:24:23
